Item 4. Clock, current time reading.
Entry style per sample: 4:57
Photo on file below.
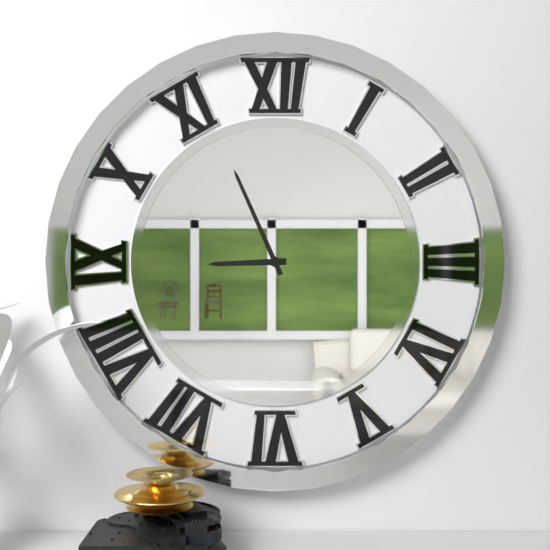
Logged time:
8:56
